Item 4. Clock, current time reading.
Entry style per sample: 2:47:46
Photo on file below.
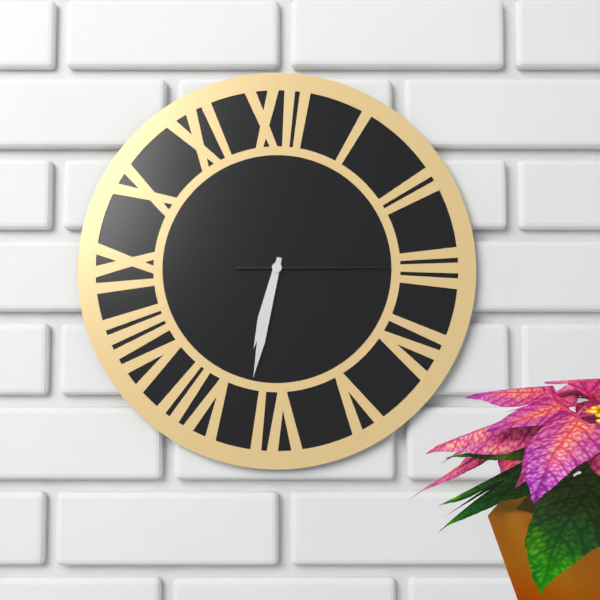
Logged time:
6:32:15
